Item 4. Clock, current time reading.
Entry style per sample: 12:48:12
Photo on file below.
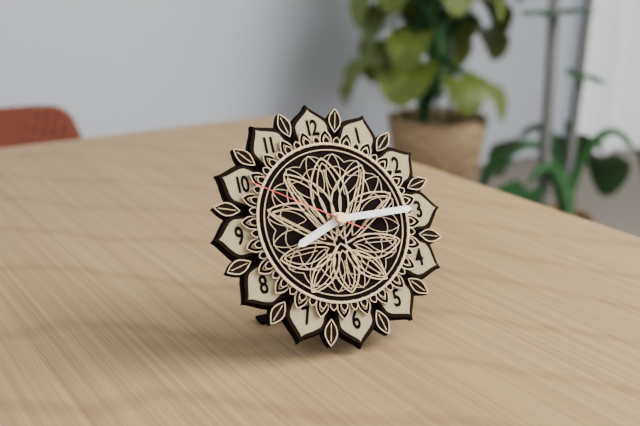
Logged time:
8:15:50
